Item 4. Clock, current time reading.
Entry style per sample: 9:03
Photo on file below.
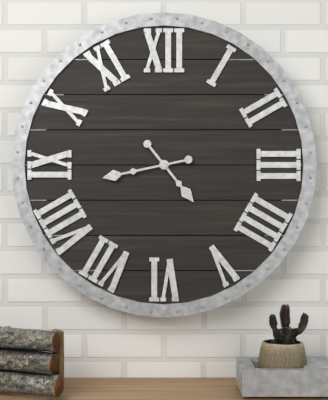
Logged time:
4:43
